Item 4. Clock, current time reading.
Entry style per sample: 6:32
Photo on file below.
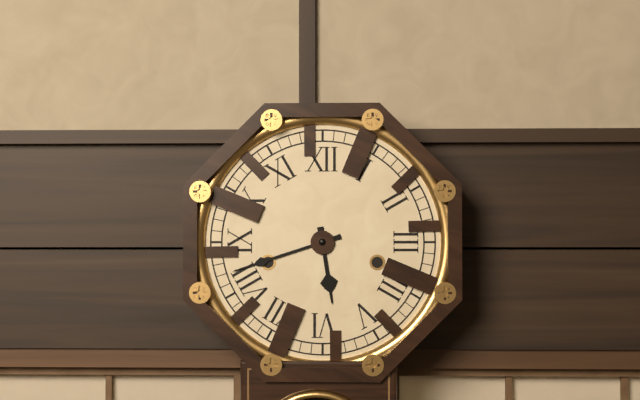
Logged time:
5:42
